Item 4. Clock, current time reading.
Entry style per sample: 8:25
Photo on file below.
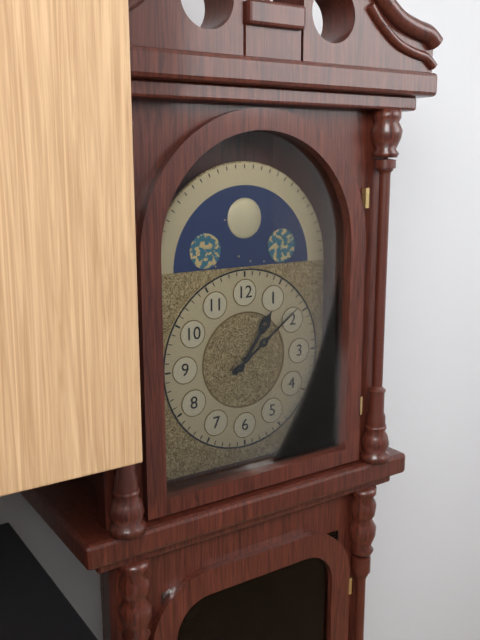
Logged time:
1:09
